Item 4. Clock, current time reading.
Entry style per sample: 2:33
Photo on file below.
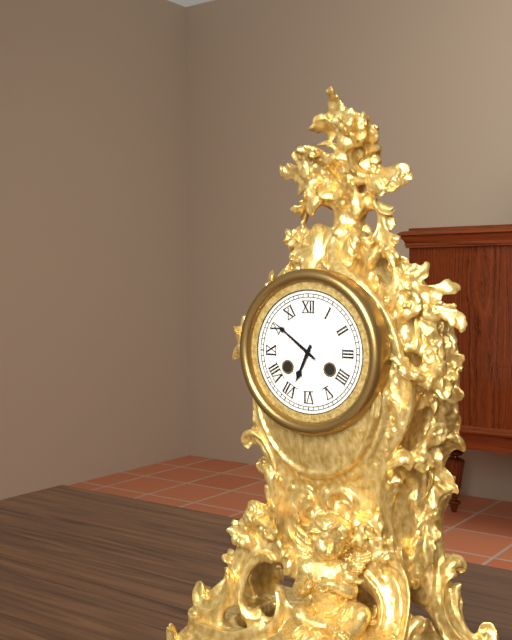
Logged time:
6:51
